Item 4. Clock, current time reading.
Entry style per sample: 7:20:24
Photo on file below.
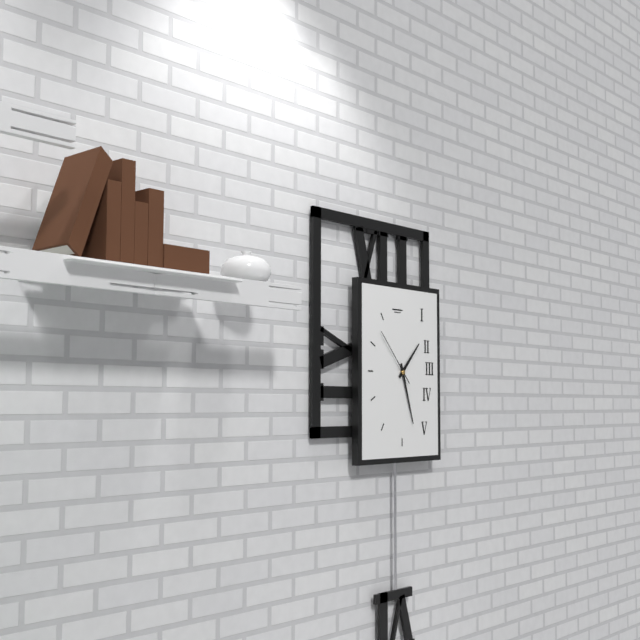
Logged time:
1:27:53
